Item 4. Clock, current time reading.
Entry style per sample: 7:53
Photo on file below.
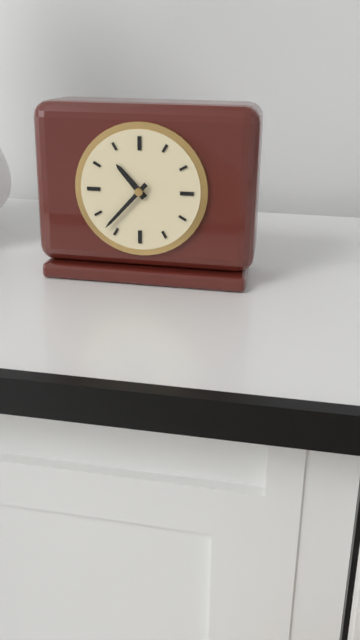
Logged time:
10:37
